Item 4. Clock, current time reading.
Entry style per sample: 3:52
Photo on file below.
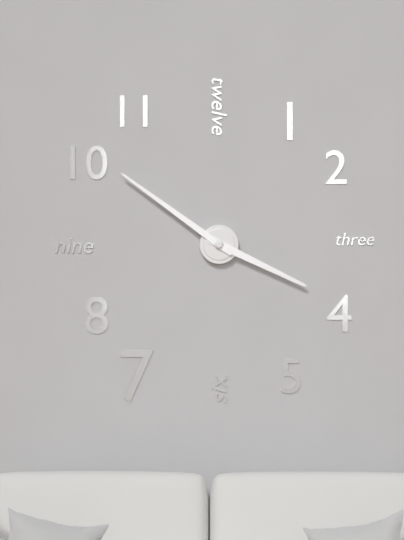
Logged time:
3:51
